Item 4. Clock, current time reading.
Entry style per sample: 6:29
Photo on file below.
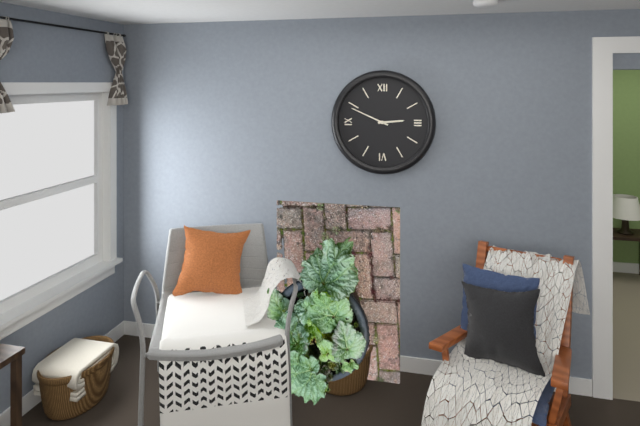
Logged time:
2:49
